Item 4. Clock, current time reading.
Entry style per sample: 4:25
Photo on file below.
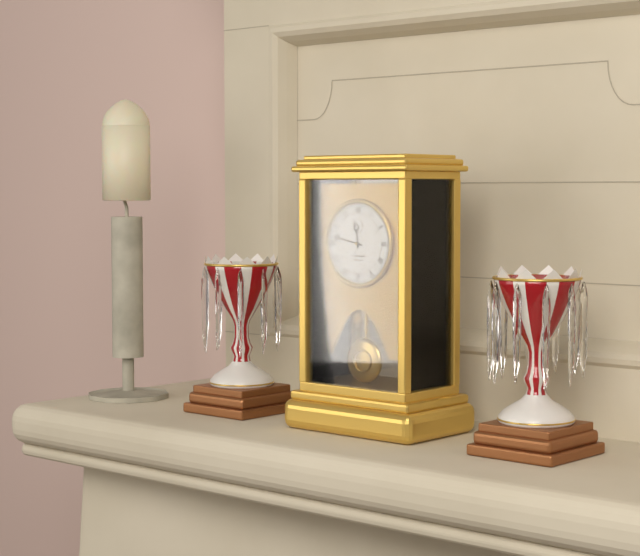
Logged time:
11:47
